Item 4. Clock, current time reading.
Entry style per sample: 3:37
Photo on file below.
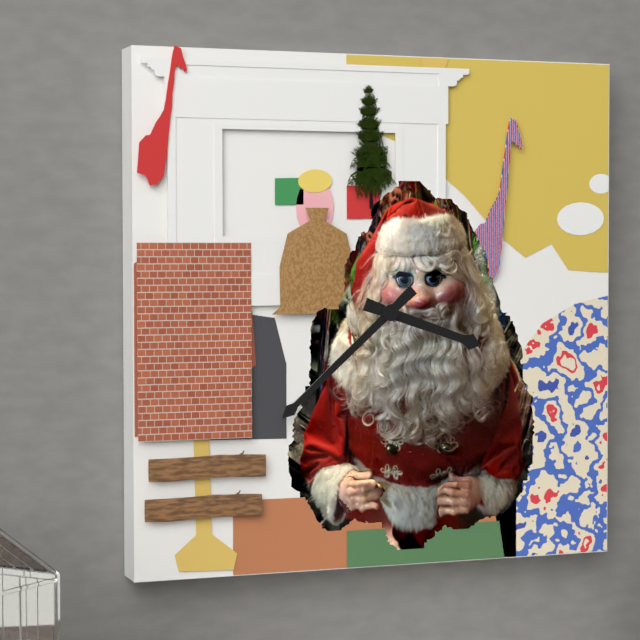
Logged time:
3:38
